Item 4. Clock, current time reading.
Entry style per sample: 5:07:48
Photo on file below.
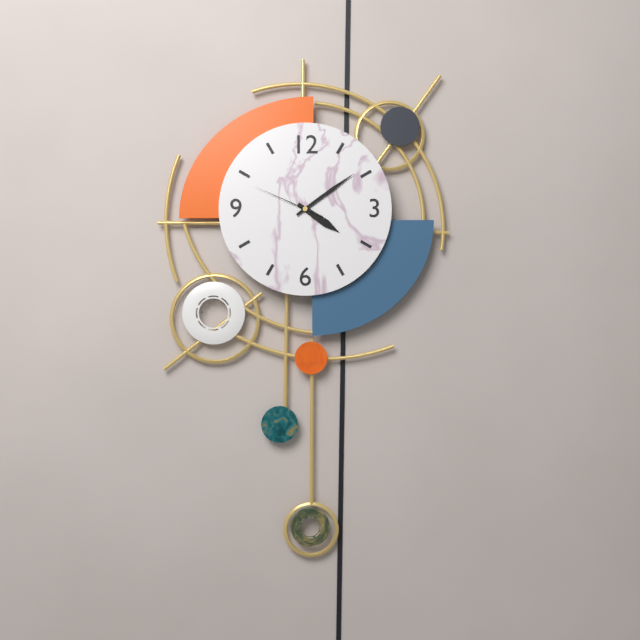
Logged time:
4:09:49
